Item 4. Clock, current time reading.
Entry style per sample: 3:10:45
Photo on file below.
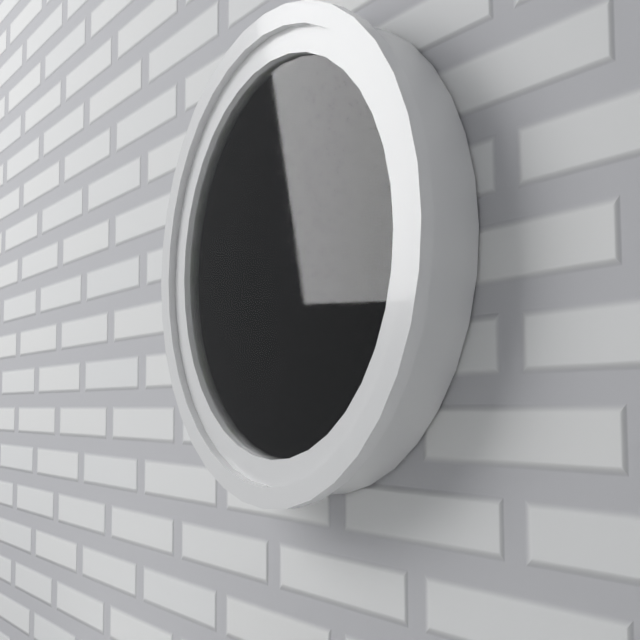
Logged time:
8:37:31
